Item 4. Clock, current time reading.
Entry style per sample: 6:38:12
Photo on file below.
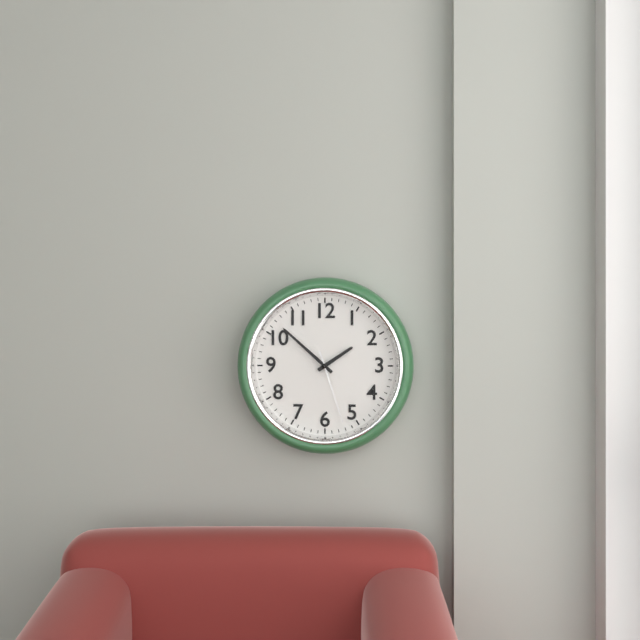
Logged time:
1:52:27
